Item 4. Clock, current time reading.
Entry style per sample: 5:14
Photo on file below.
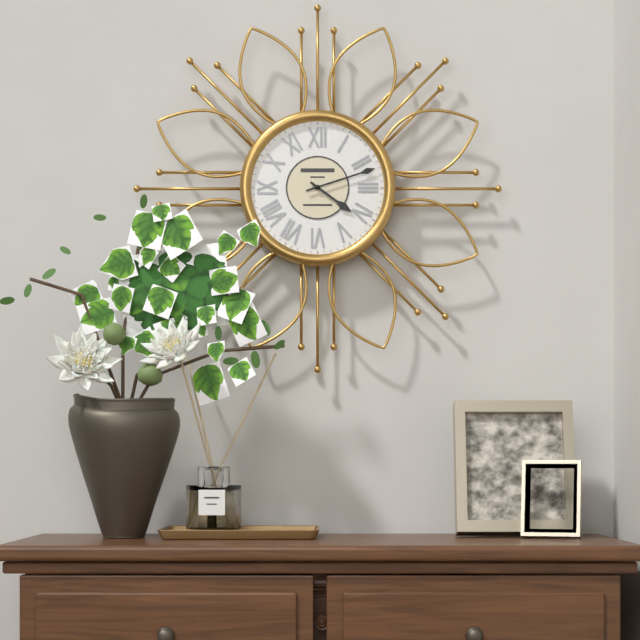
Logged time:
4:12
